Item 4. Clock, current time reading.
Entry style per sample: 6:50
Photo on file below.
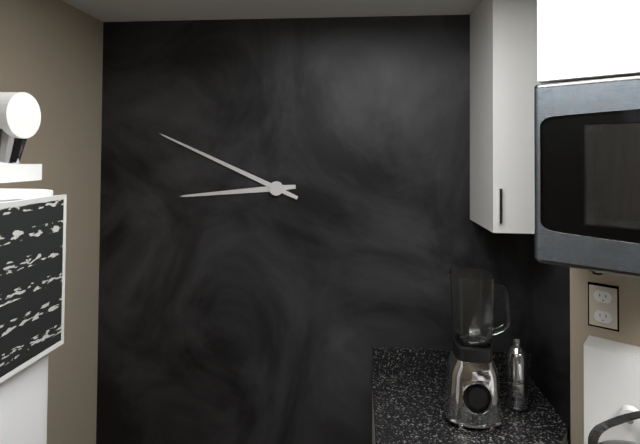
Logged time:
8:49
